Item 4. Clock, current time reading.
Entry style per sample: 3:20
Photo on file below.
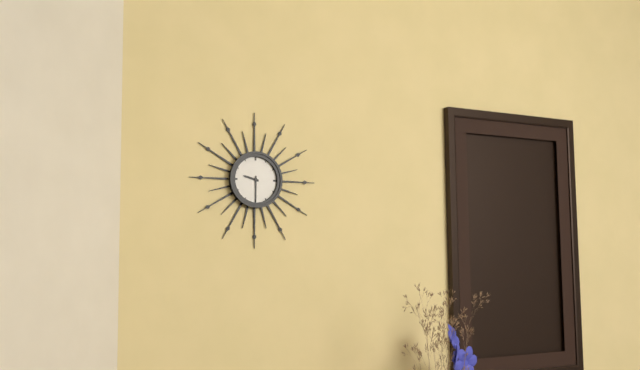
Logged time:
9:30
